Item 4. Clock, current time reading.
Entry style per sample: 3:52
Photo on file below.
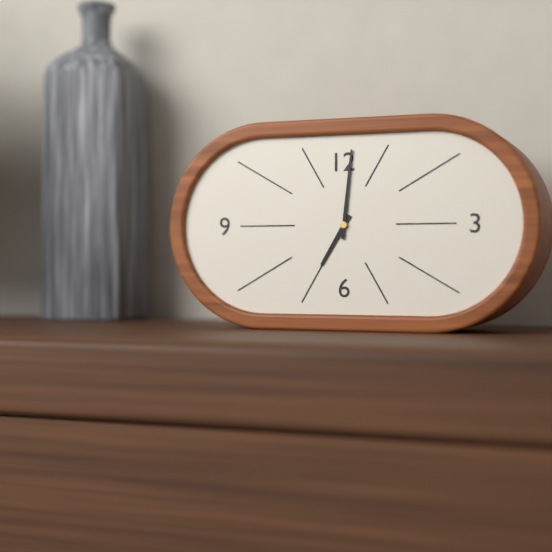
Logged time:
7:01
